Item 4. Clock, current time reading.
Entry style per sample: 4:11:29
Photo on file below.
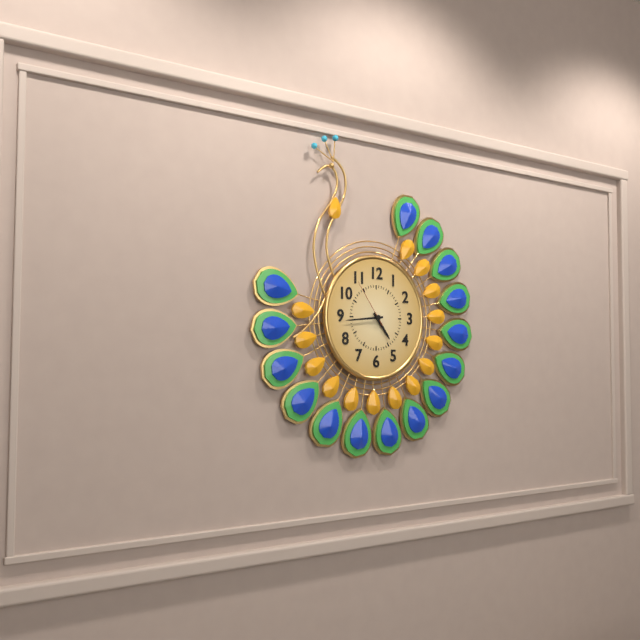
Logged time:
4:44:54
